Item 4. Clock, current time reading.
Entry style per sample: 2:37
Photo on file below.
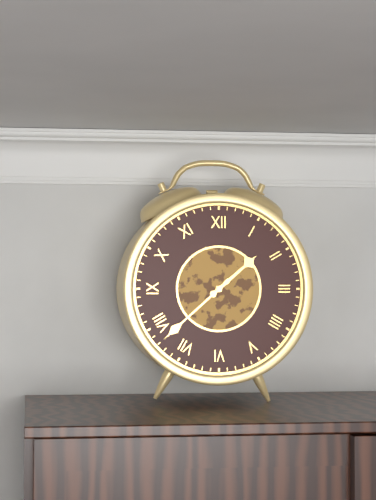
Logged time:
1:38
